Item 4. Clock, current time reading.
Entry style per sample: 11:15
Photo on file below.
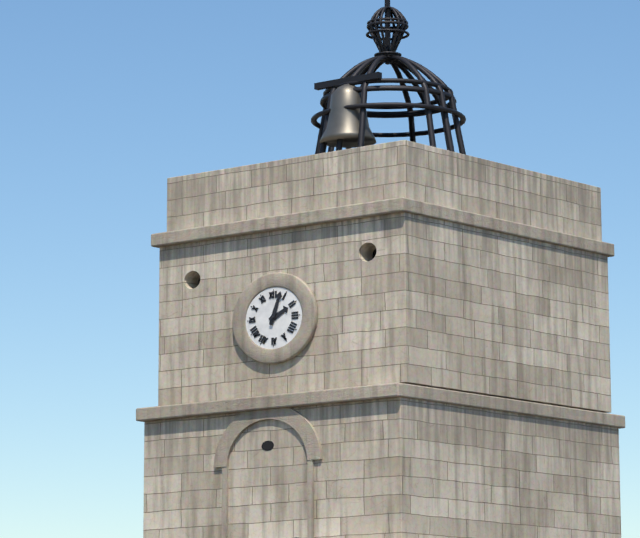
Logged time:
2:03
